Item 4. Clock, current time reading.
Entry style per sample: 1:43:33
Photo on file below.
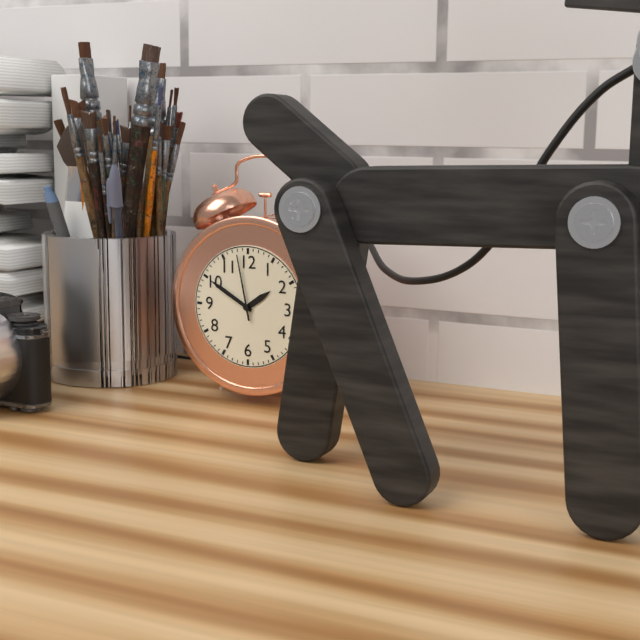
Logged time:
1:50:58
